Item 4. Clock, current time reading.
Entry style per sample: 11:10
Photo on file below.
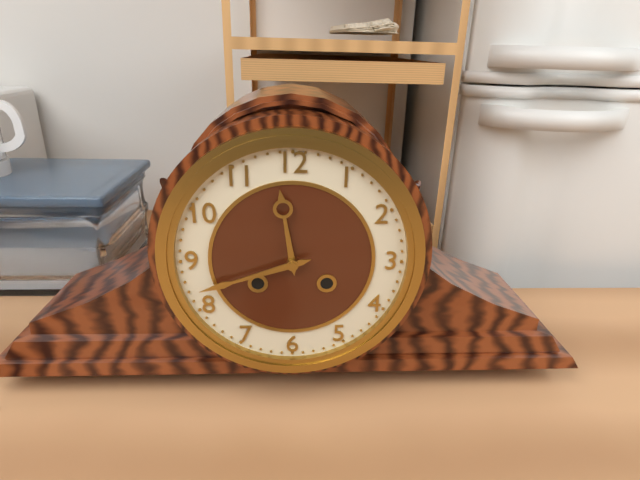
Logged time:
11:42
